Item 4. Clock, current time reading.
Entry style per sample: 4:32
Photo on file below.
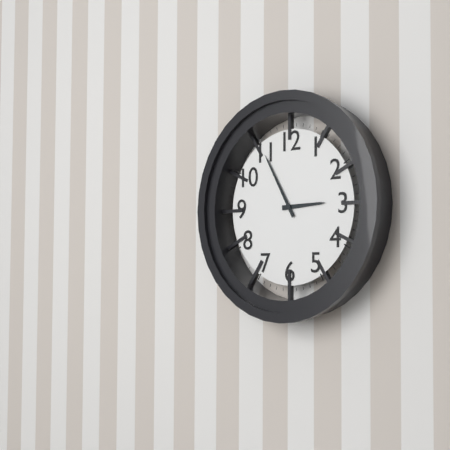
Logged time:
2:55
